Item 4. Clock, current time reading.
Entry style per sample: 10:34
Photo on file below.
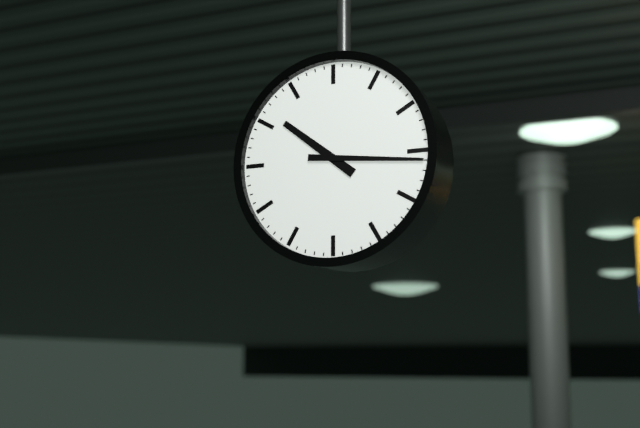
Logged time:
10:16
